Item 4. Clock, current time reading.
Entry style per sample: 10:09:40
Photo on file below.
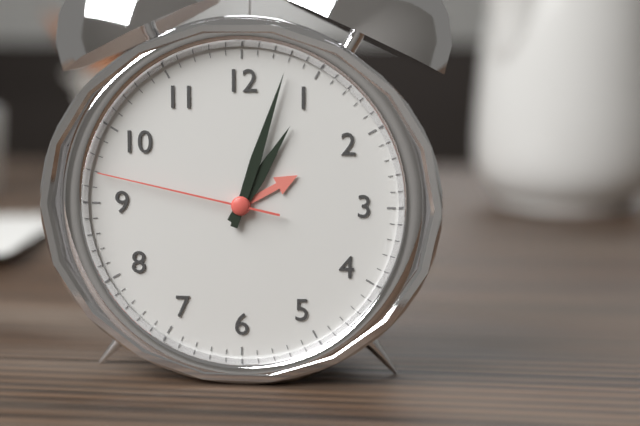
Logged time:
1:03:47
